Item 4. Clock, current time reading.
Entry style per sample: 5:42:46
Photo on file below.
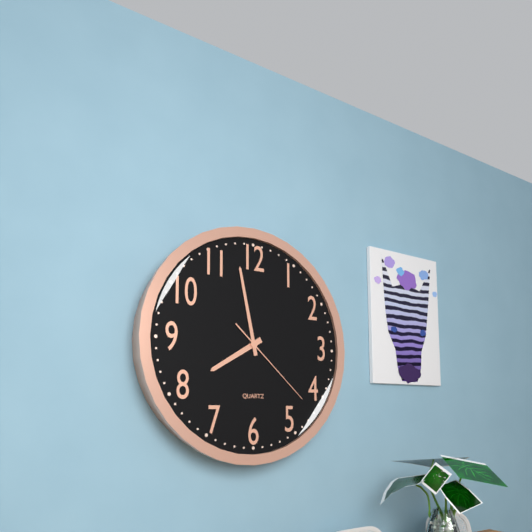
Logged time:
7:58:22
